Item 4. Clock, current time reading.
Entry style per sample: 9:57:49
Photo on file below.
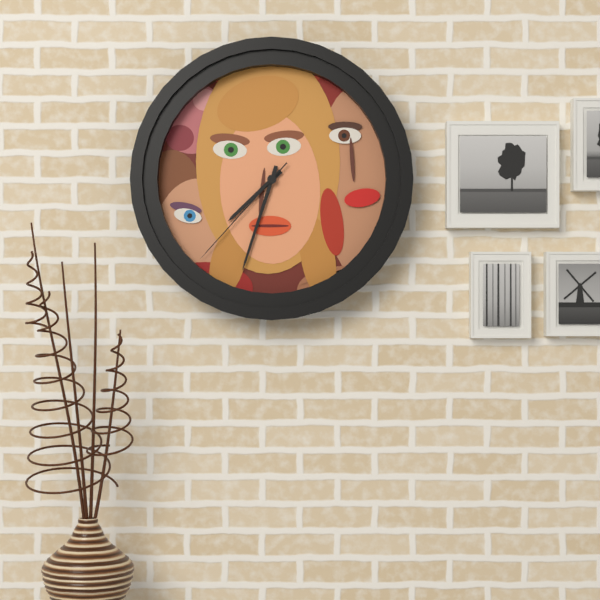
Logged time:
7:33:37
